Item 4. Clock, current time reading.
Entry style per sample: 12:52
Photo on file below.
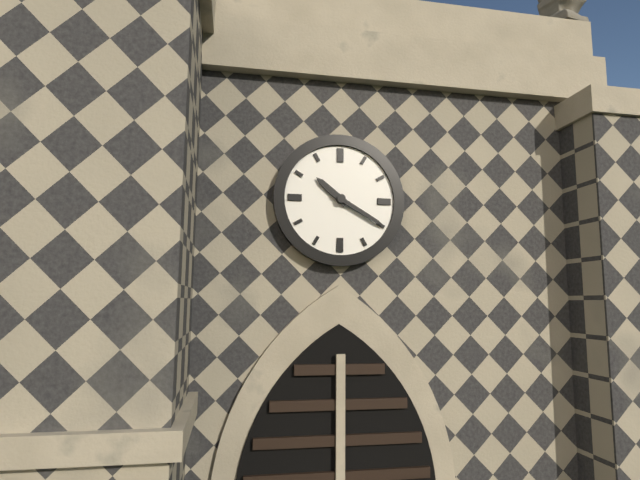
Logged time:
10:20
